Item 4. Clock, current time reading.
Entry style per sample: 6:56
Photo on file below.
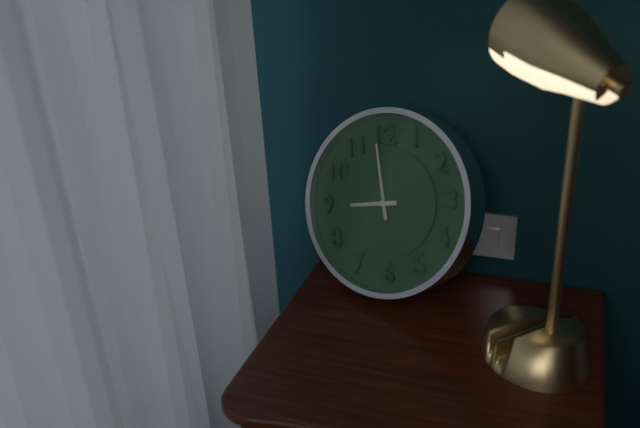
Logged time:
8:59
